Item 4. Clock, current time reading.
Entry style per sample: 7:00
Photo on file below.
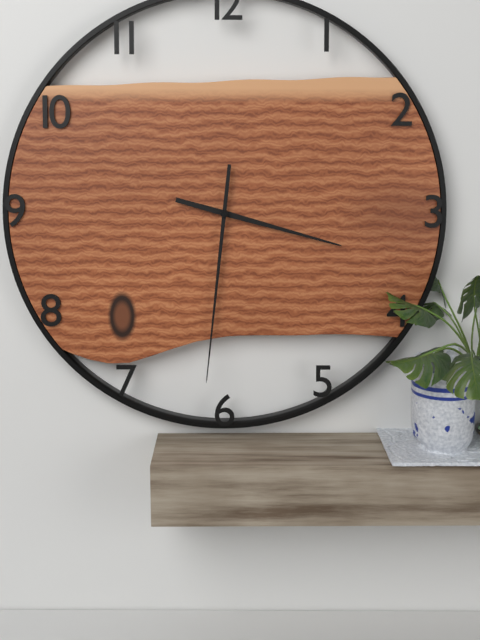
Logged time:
3:31
